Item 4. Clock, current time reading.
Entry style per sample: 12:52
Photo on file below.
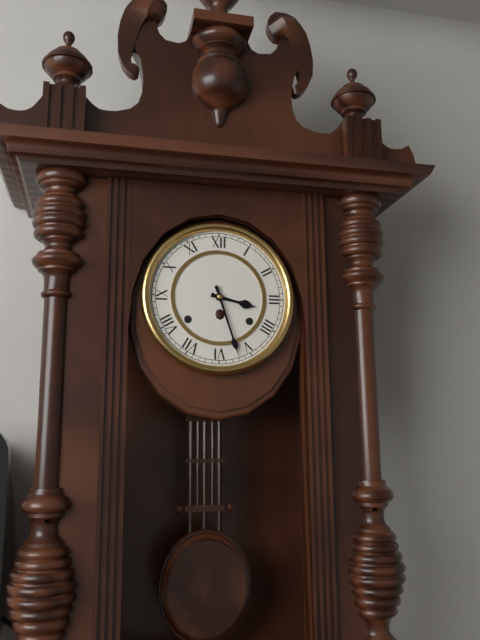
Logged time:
3:27
